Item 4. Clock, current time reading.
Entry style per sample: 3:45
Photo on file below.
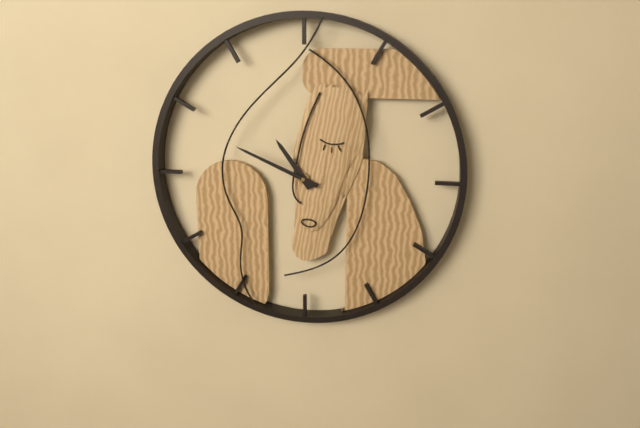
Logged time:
10:49
